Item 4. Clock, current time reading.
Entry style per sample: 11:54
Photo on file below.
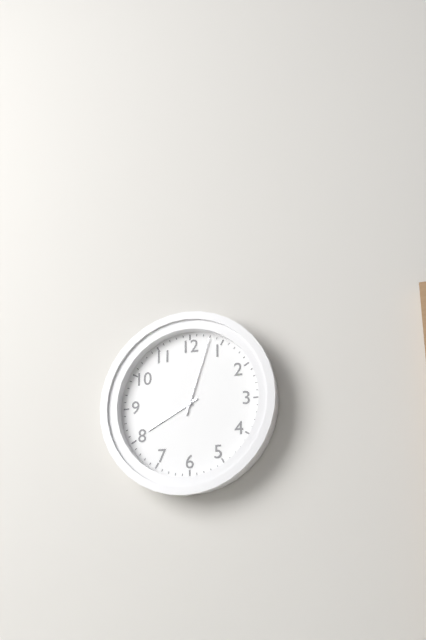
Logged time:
8:03
